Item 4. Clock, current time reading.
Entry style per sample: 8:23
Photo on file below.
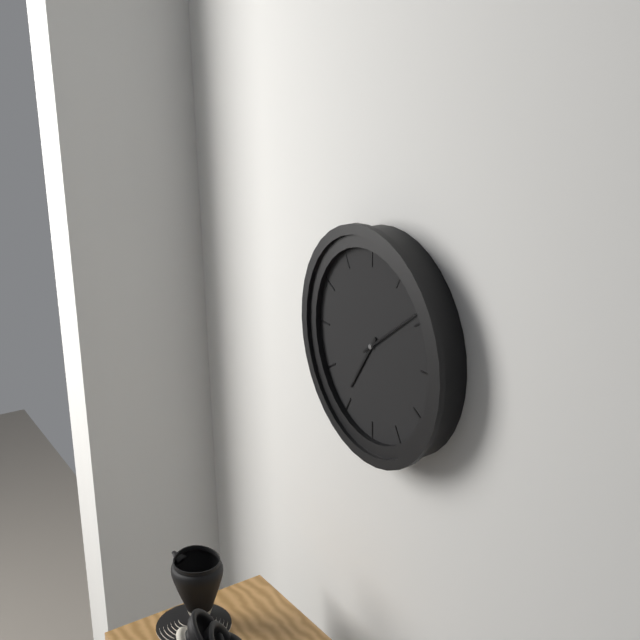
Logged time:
7:09
